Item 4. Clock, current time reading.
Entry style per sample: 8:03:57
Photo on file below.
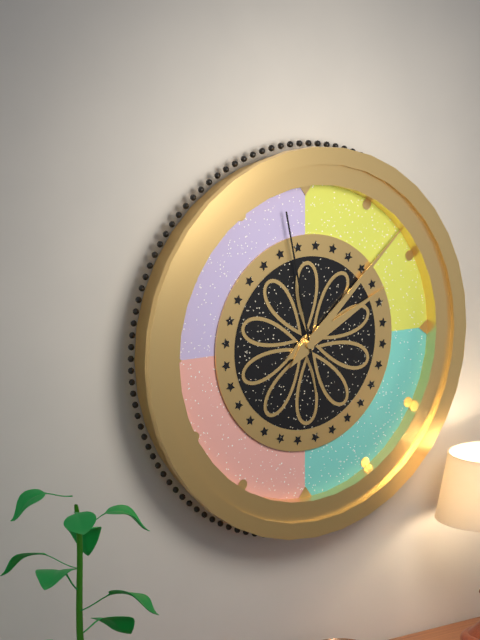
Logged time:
2:08:58
